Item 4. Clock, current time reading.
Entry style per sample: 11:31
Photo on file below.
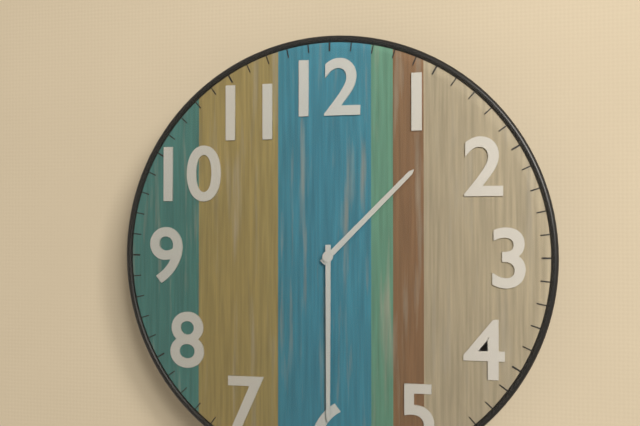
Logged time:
1:30
